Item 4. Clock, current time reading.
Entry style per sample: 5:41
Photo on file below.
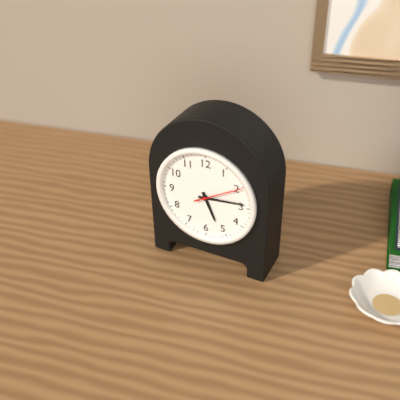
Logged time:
5:14
